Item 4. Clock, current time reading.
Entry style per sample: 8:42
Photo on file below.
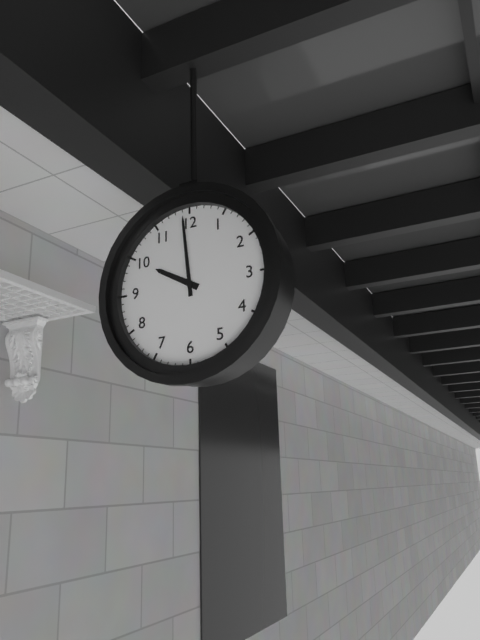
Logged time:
9:59
